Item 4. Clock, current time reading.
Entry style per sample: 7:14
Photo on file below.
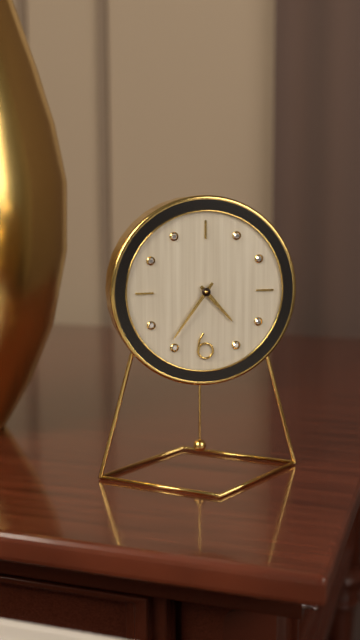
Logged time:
4:36
